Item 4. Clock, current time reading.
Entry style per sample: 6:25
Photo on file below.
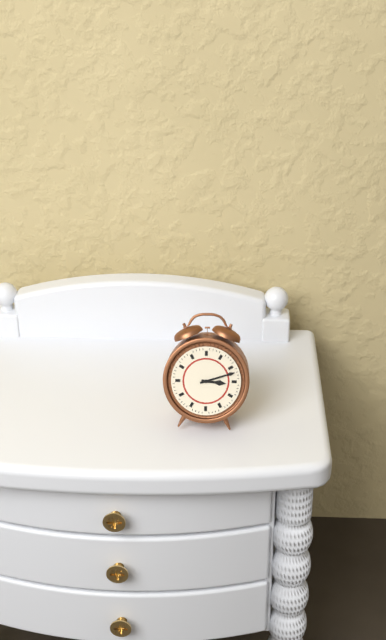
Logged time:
3:12
